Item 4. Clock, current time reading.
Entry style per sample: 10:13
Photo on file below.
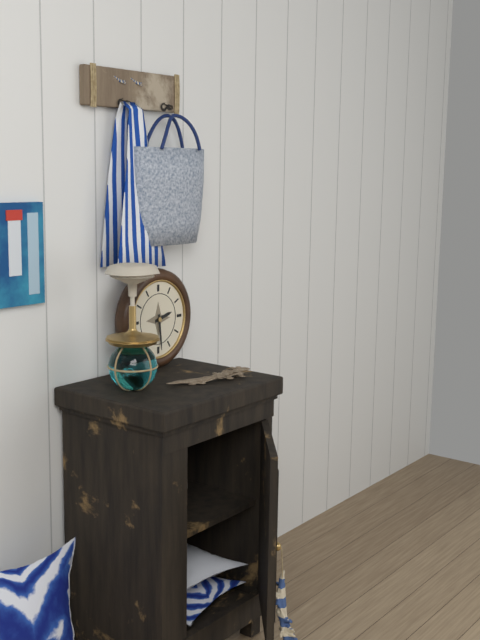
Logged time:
2:29
